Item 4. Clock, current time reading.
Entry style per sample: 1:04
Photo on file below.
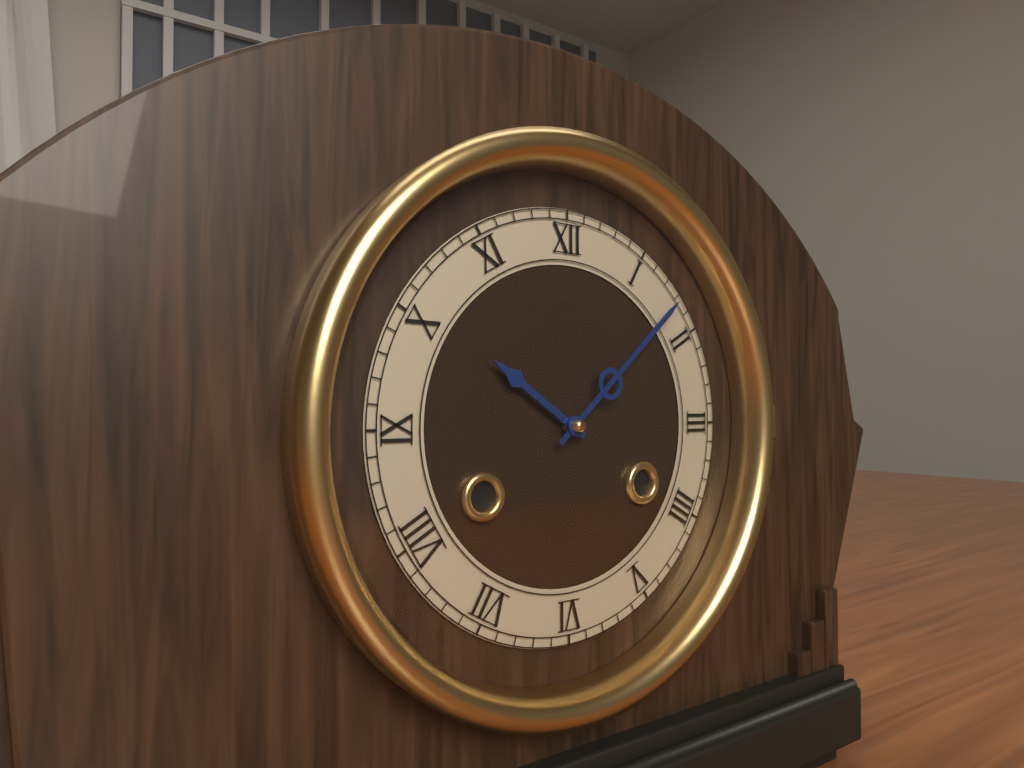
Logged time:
10:08
